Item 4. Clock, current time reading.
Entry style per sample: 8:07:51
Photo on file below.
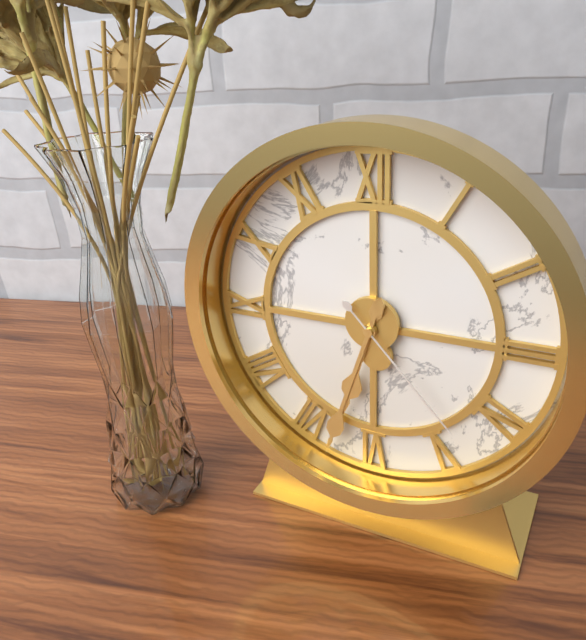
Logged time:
6:33:23
